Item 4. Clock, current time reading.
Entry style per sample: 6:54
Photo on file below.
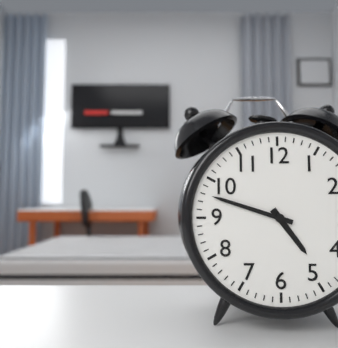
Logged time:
4:48
